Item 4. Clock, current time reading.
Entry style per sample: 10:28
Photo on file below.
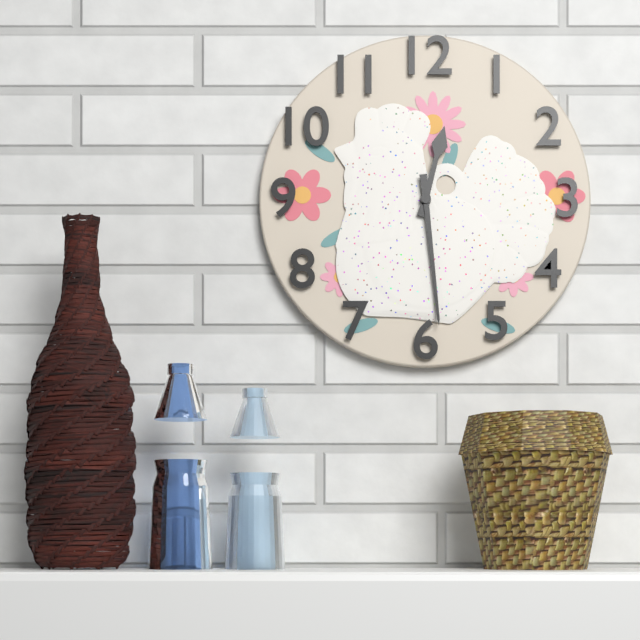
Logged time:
12:29
